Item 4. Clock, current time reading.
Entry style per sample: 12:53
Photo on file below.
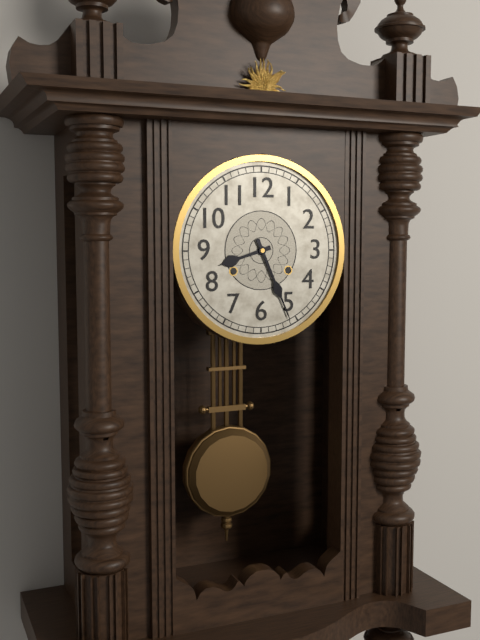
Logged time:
8:26
